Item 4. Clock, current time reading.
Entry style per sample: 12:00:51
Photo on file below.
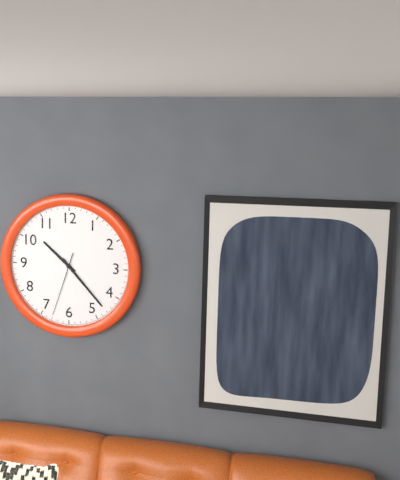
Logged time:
10:23:33
